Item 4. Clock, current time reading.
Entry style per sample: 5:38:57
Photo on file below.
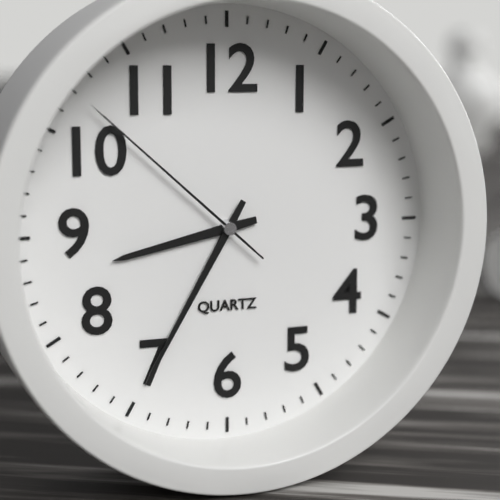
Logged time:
8:35:52
